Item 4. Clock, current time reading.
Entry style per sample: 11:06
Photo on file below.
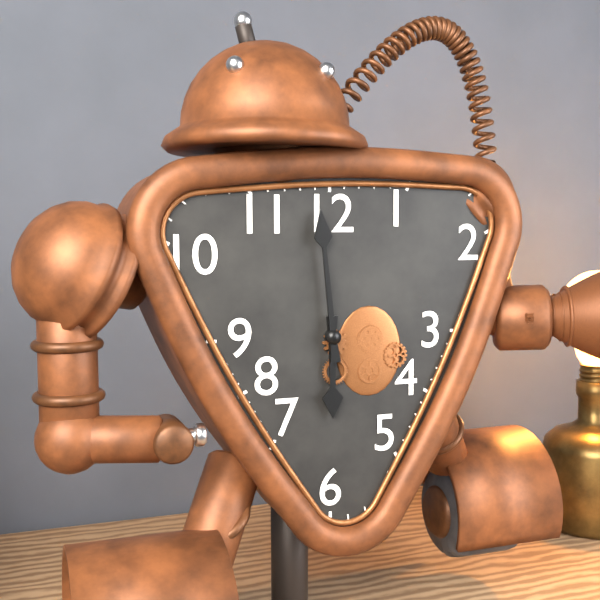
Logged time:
5:59
